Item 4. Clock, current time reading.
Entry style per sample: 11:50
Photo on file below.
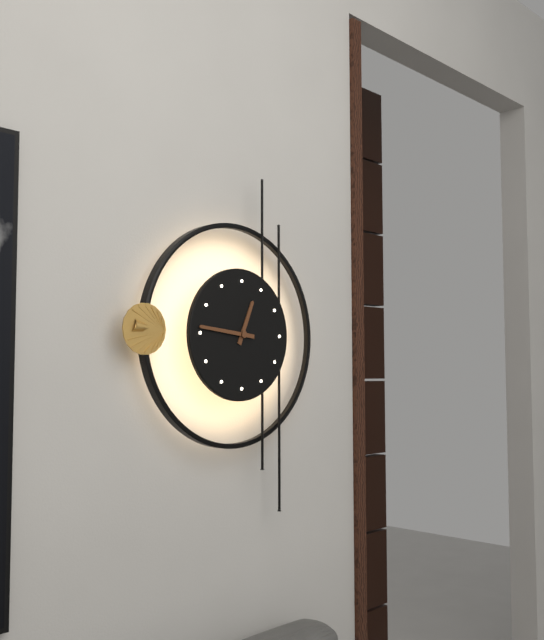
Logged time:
12:46
